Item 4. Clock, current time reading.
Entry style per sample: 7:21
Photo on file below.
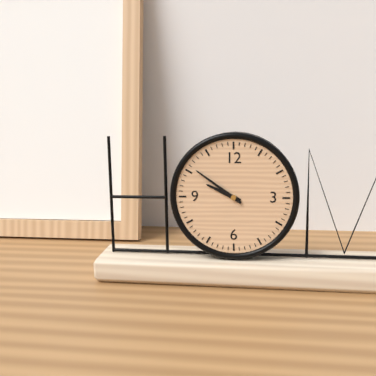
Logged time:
9:51
